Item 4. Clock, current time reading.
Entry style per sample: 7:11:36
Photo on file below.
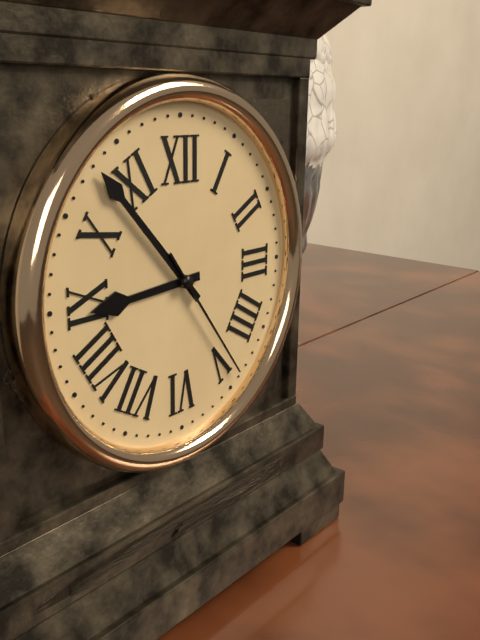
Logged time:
8:53:24
